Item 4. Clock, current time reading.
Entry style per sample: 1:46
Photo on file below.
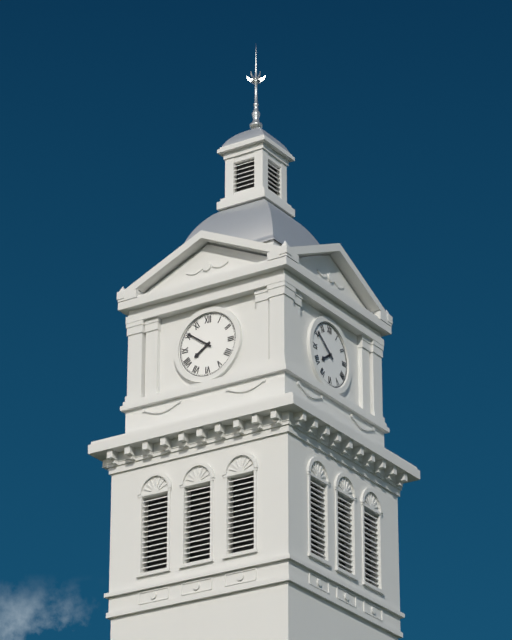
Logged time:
7:51
